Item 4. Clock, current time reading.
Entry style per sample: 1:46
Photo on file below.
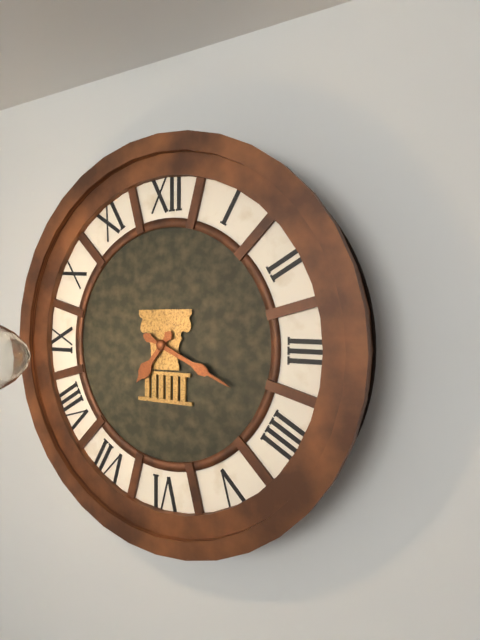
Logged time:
7:19
